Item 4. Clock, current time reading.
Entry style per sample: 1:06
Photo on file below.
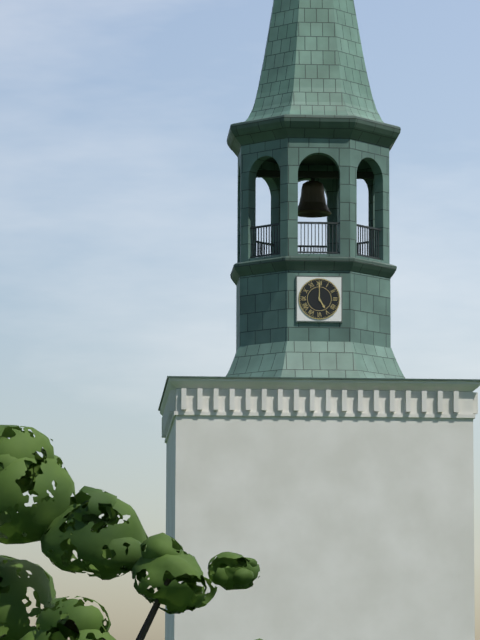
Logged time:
5:00
